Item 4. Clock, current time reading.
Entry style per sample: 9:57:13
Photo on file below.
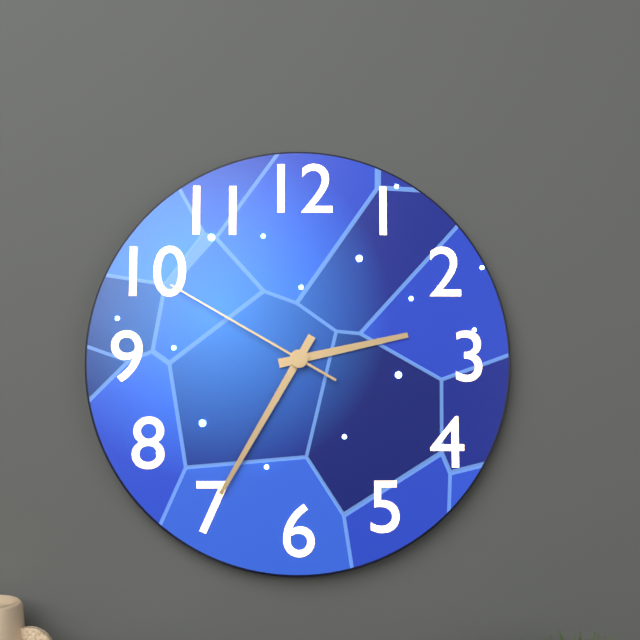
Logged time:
2:35:50
